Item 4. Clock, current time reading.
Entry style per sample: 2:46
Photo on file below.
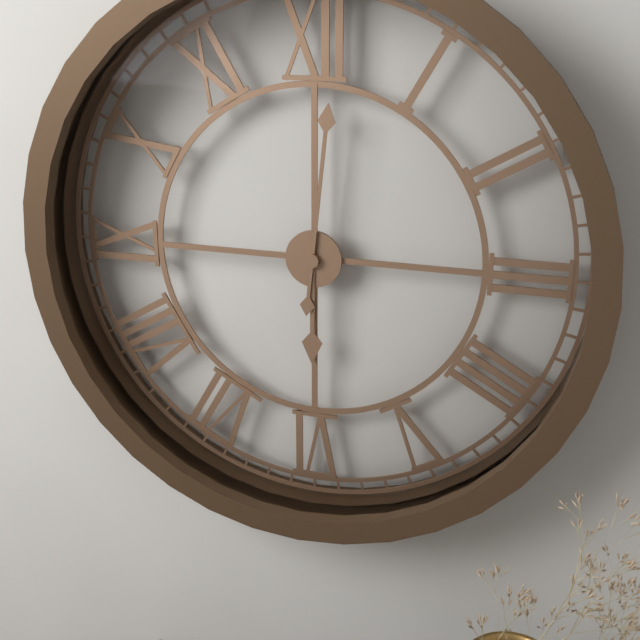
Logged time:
6:01
